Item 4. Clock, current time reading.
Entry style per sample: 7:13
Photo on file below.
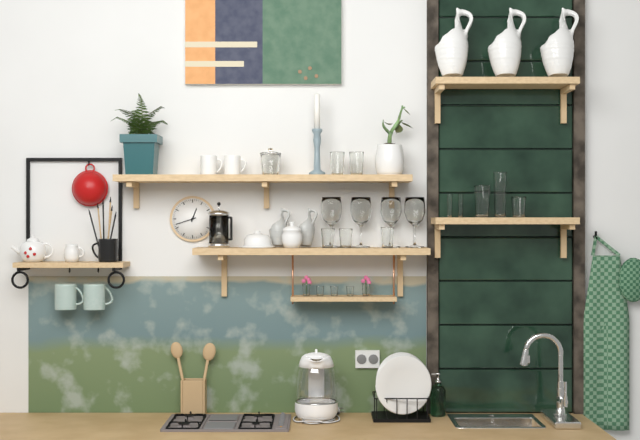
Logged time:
12:42
